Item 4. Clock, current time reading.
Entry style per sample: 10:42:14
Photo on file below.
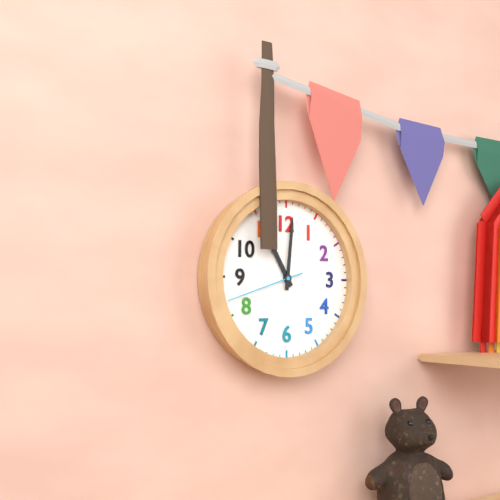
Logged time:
11:01:42
